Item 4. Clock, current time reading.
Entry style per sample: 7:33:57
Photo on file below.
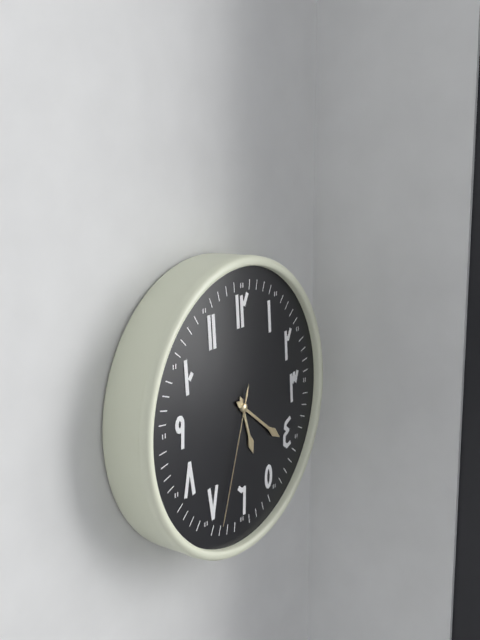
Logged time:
5:21:33
